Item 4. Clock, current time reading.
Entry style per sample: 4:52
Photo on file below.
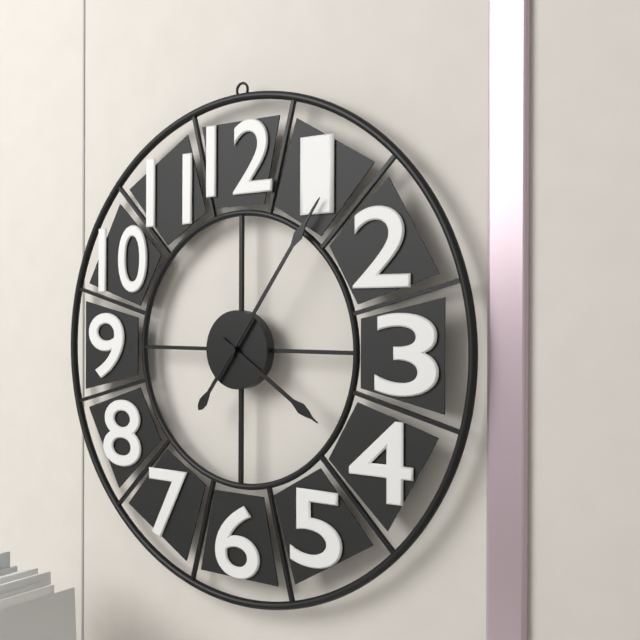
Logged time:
4:06
